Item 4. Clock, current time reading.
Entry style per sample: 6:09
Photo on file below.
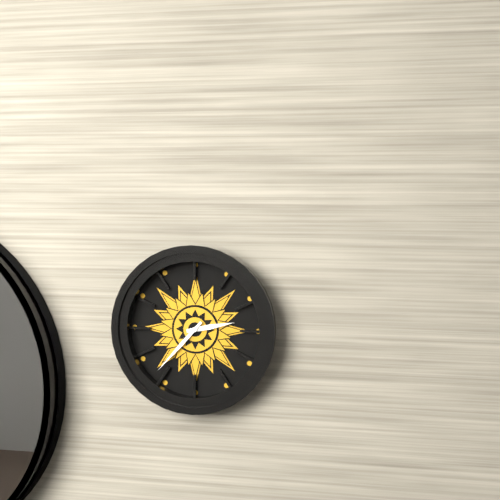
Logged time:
2:37
